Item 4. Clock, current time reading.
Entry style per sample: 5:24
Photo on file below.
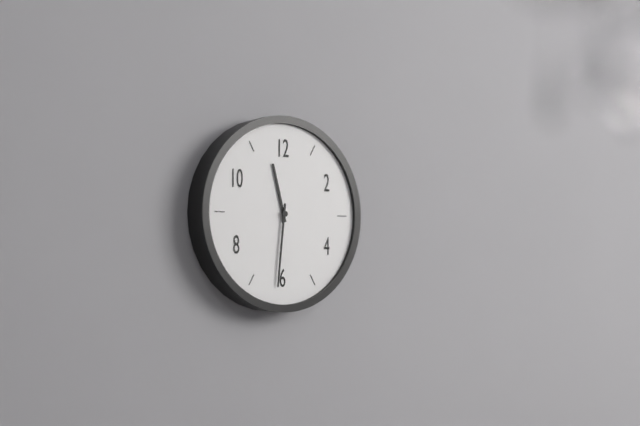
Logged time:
11:31
